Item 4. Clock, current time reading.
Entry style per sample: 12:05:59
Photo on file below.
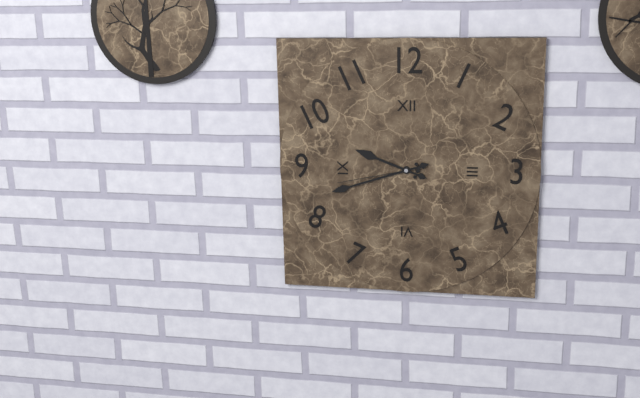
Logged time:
9:42:43
